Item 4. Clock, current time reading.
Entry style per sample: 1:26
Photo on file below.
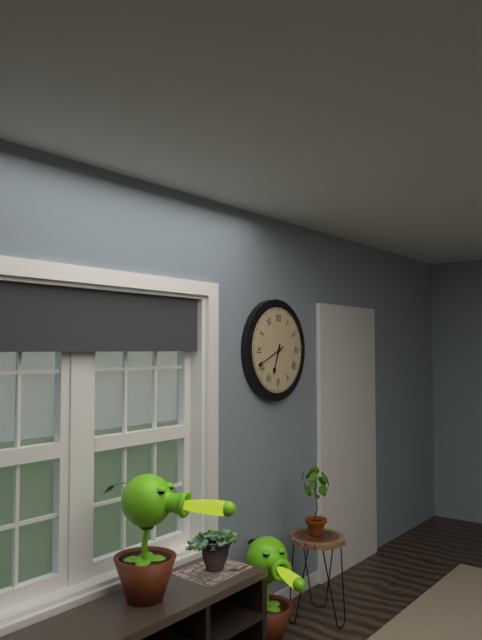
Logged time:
6:41
